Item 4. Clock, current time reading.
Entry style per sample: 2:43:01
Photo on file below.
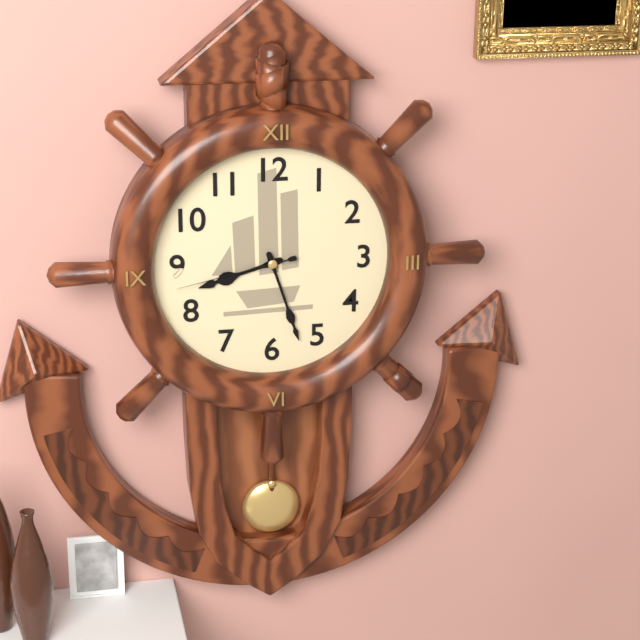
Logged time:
8:27:43
